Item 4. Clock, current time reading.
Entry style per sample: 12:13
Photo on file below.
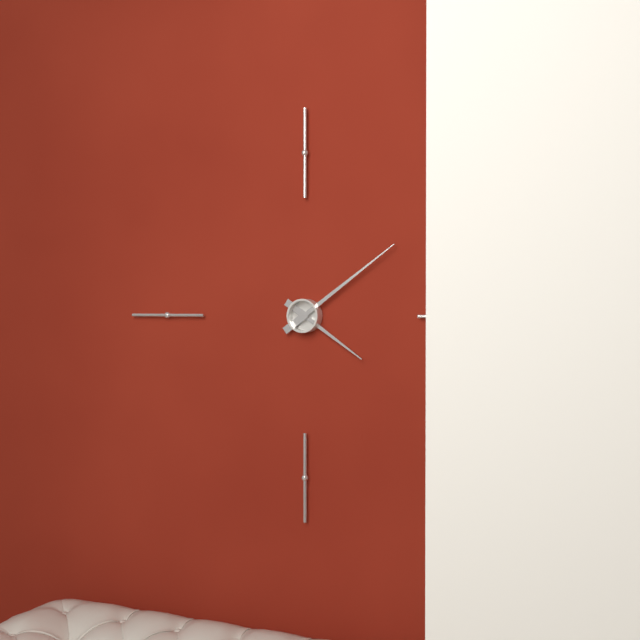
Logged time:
4:09
